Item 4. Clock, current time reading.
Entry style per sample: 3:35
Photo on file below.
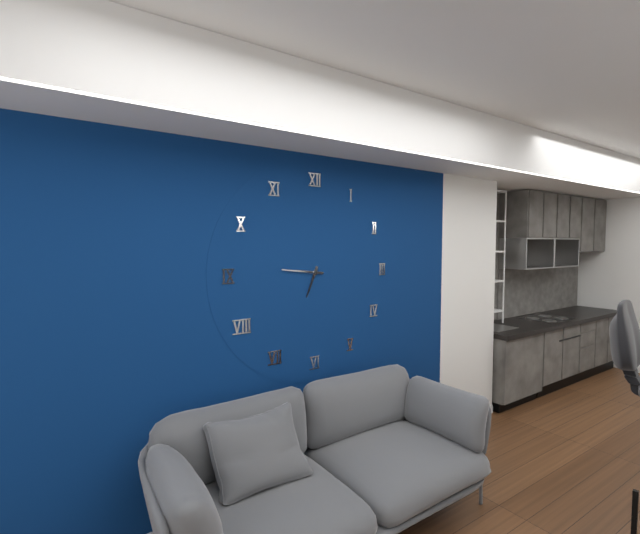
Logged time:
6:46
